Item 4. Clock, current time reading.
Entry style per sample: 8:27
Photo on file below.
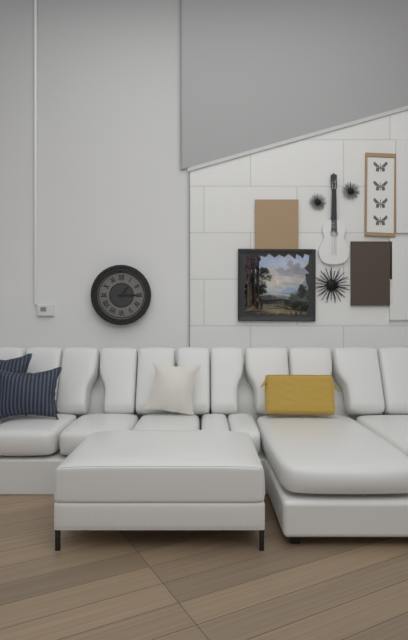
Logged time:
1:15
